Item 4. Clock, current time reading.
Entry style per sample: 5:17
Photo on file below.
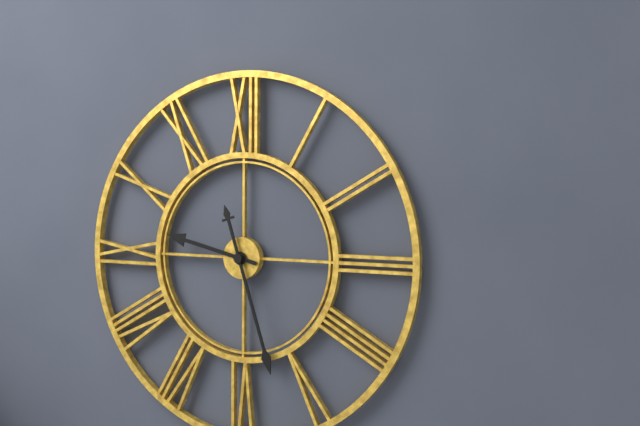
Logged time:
9:27
